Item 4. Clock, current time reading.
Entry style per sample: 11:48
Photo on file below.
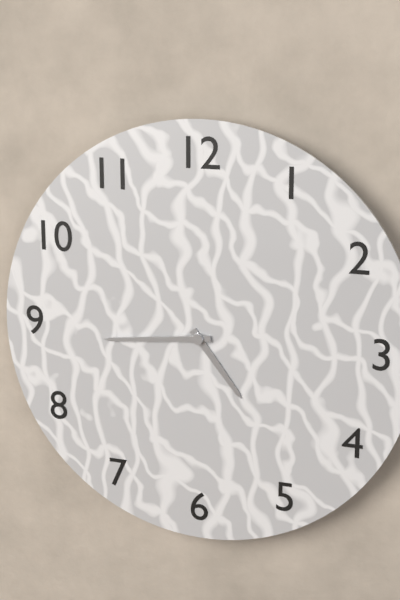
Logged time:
4:44
